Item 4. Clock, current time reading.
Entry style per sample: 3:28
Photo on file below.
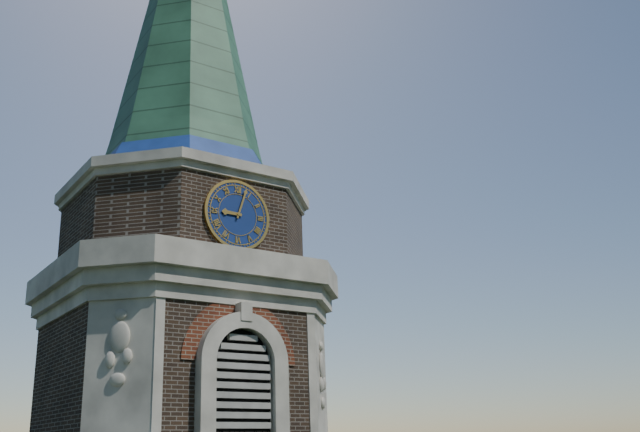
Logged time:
9:03
